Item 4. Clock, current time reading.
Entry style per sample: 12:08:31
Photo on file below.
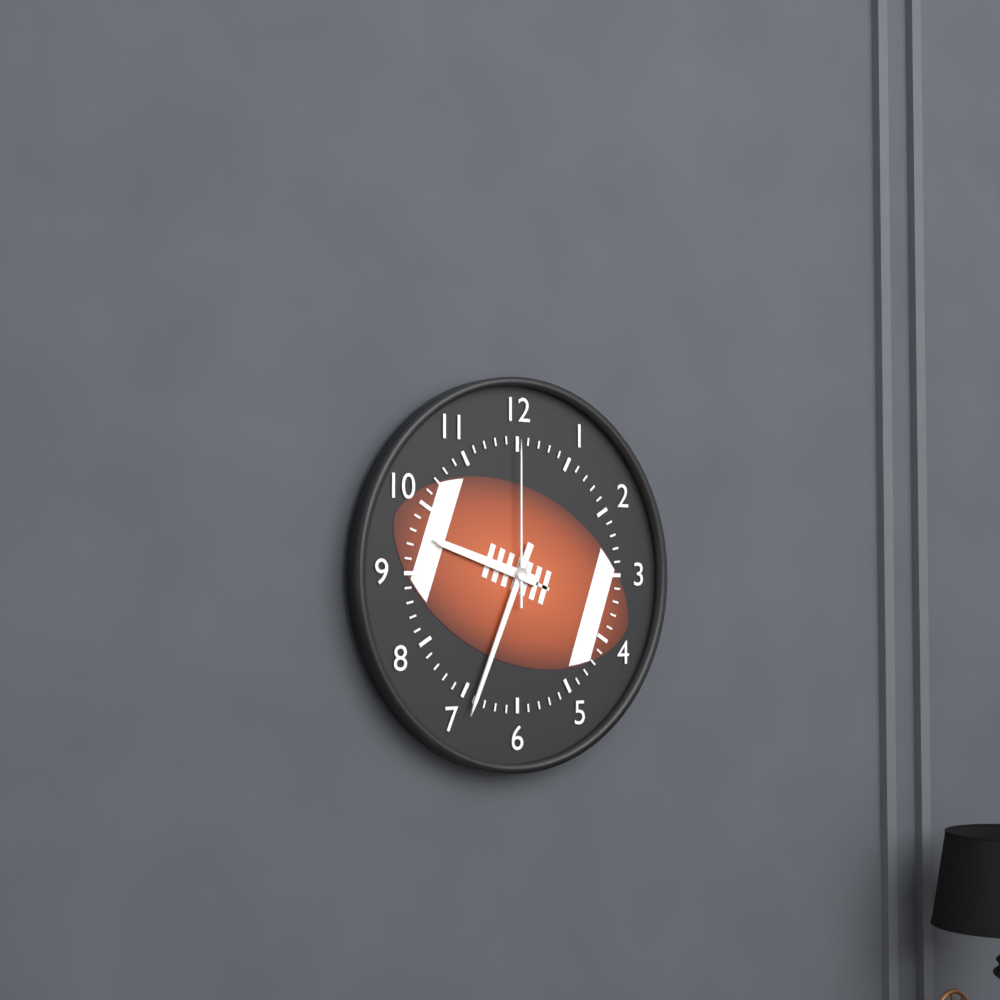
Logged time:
9:34:00
